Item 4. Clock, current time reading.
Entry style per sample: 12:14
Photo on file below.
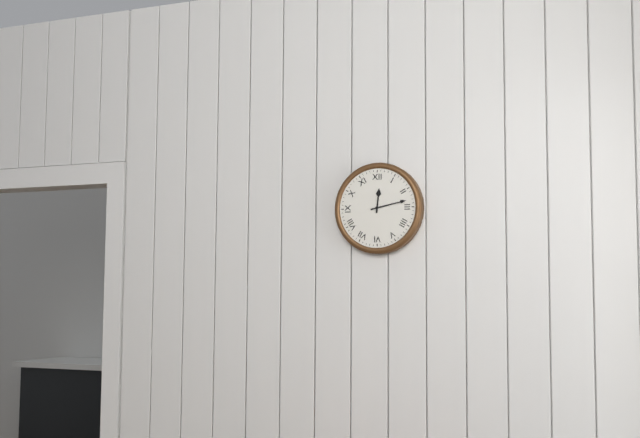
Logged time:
12:13
